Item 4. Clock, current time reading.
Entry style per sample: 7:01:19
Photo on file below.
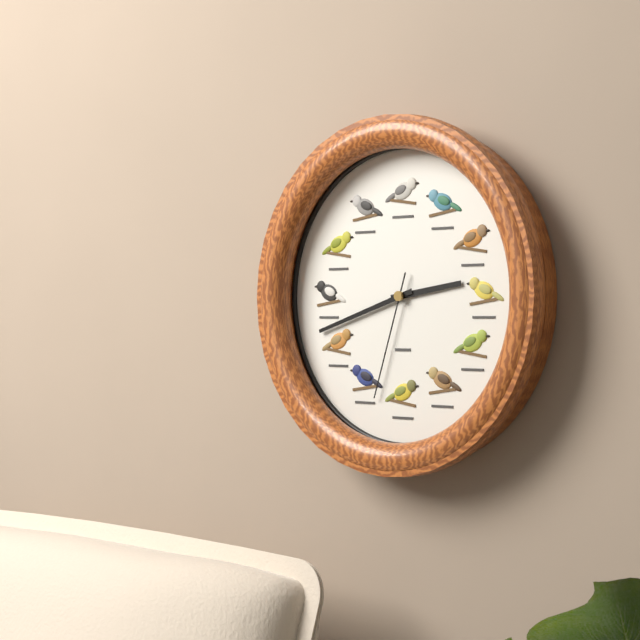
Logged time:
2:42:33
